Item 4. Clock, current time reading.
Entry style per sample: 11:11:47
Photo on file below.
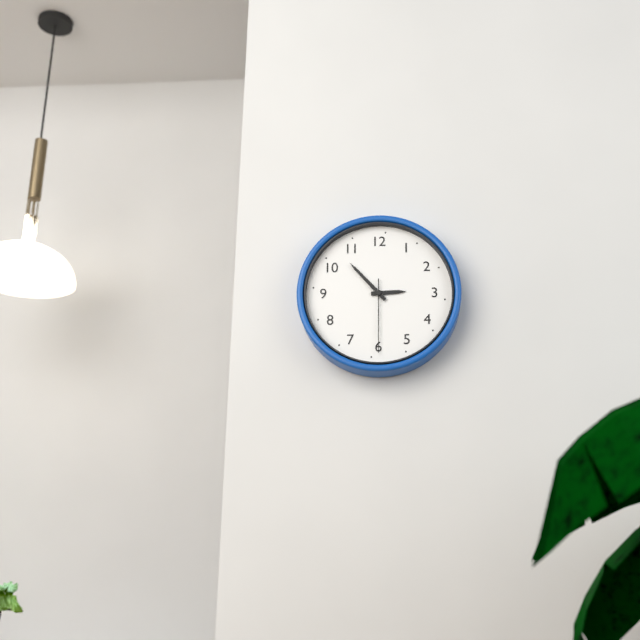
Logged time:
2:53:30
